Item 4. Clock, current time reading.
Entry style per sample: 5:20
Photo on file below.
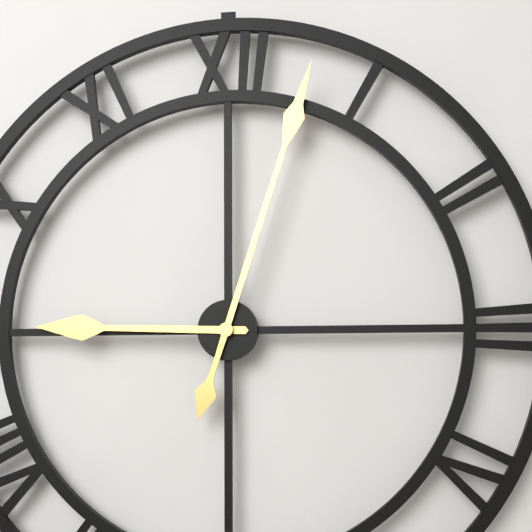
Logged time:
9:03
